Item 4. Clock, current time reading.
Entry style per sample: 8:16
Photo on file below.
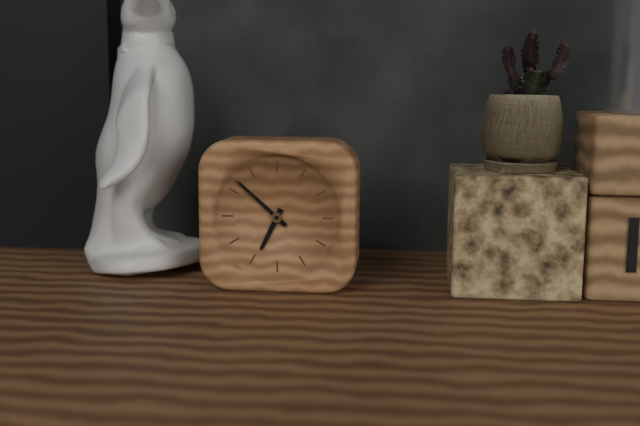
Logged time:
6:52
